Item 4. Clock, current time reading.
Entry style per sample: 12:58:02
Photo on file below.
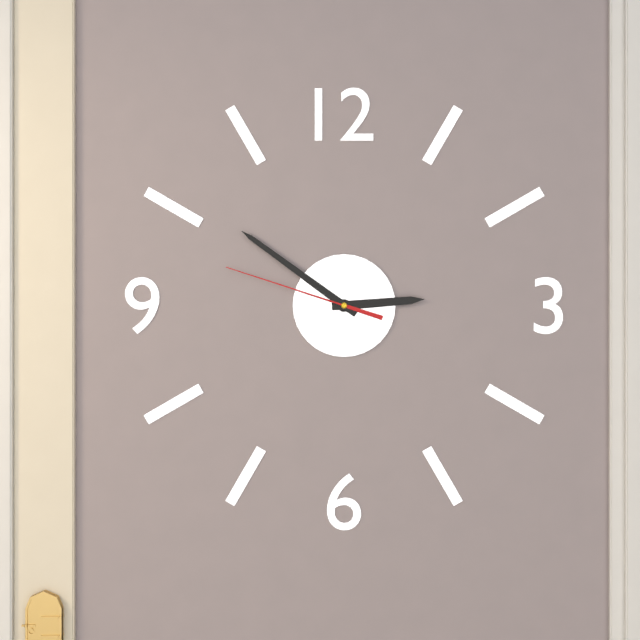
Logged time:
2:51:48
